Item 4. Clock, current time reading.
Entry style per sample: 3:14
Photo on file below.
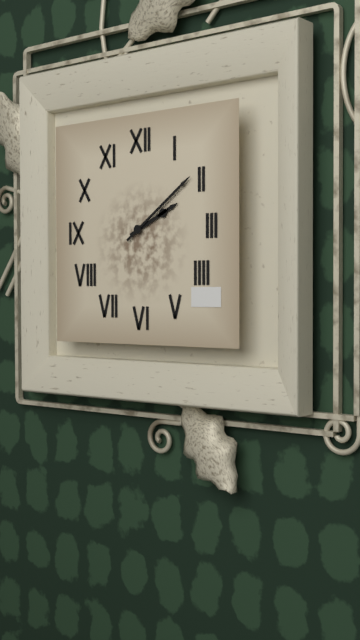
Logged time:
2:09
